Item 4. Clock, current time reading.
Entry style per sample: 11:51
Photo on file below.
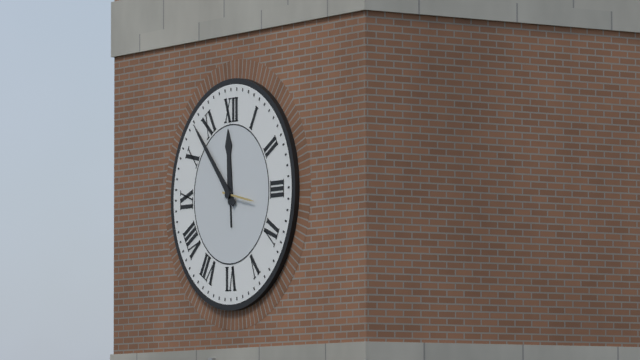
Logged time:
11:53
